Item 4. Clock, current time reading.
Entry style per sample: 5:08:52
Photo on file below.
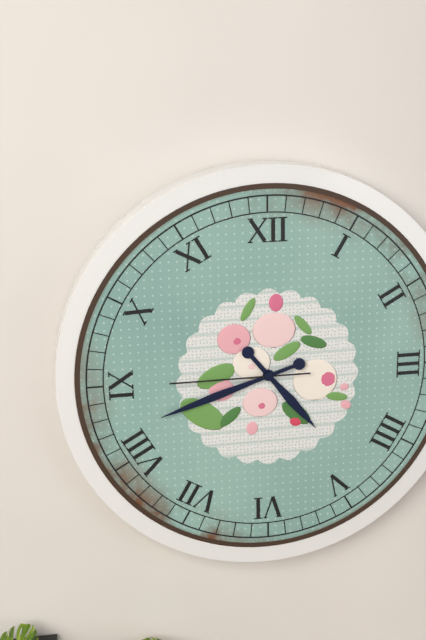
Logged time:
4:42:45
